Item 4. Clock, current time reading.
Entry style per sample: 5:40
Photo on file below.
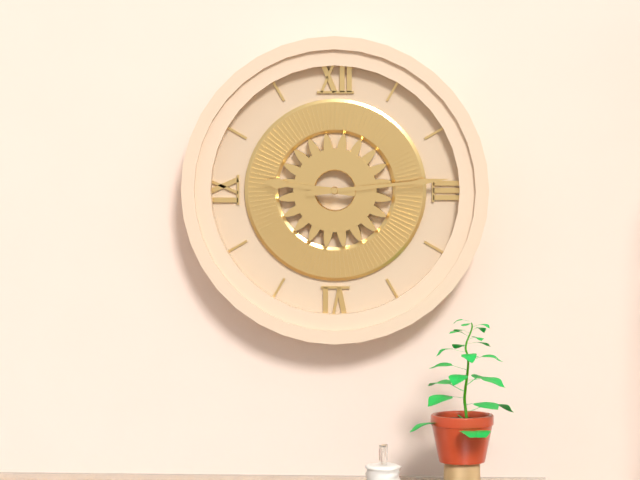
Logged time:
9:14
